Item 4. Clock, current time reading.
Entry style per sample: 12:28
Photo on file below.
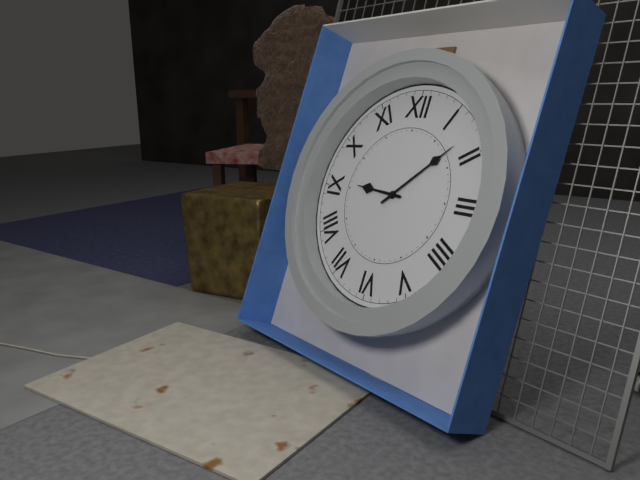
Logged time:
9:08
